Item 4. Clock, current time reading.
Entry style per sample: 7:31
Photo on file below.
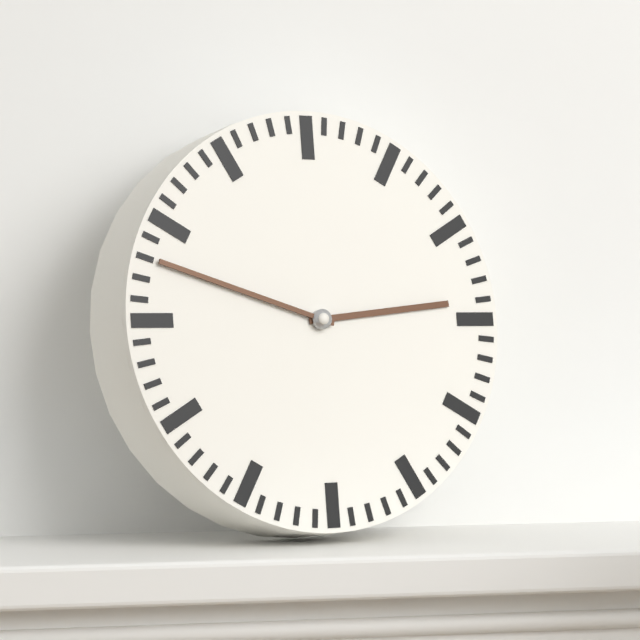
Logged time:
2:48
